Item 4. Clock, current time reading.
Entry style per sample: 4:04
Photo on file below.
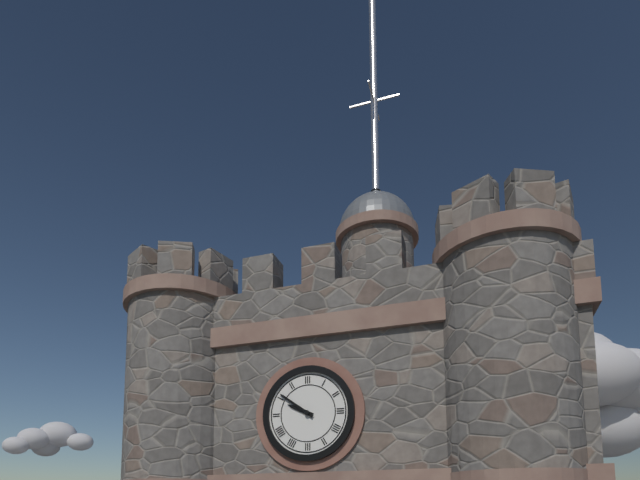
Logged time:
9:51
